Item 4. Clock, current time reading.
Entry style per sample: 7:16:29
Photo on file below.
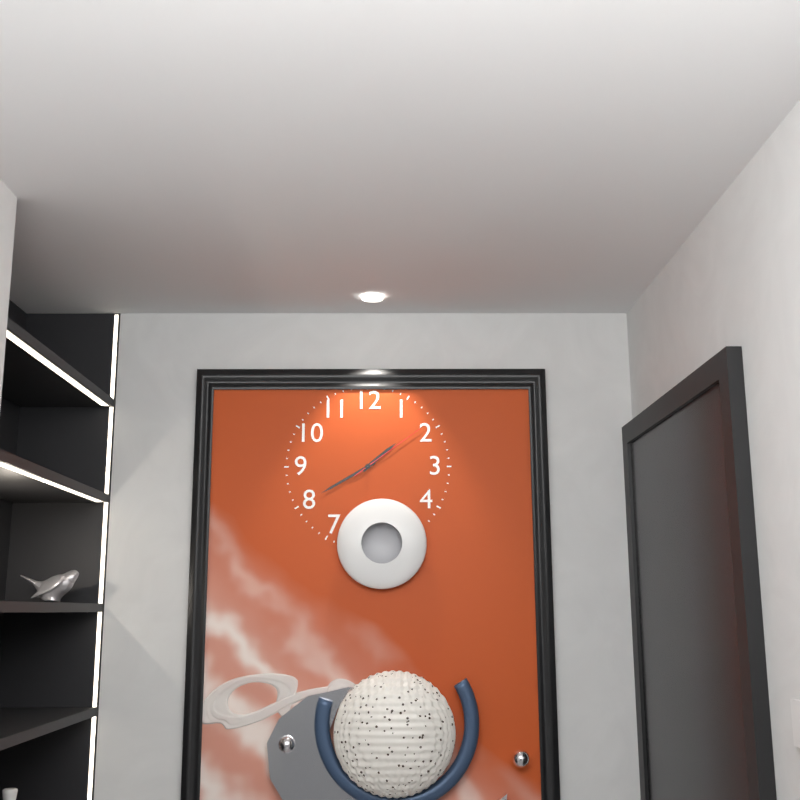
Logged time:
1:40:09
